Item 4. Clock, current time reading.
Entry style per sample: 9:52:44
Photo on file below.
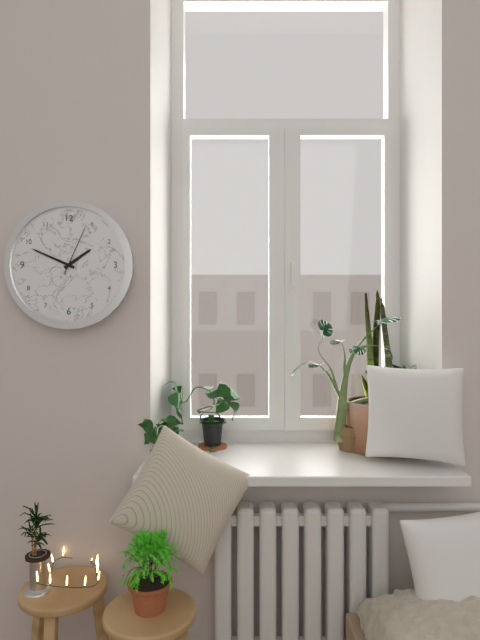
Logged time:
1:49:04
